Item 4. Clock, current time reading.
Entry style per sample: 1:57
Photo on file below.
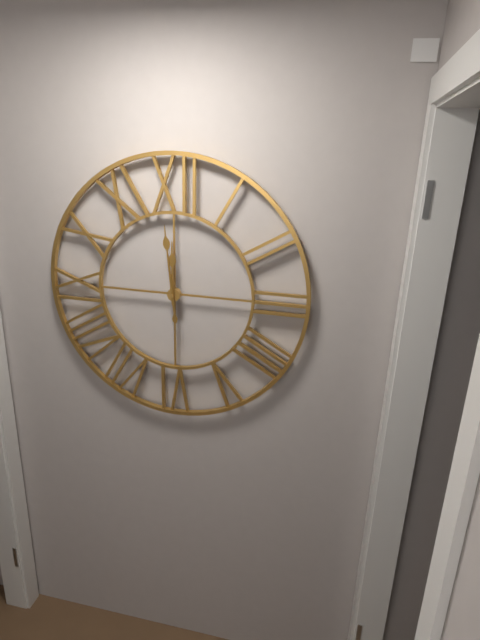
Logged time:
11:59
